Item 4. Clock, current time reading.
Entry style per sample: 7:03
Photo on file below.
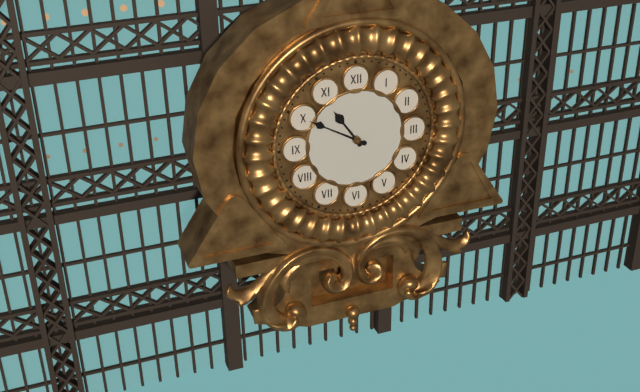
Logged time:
10:50
